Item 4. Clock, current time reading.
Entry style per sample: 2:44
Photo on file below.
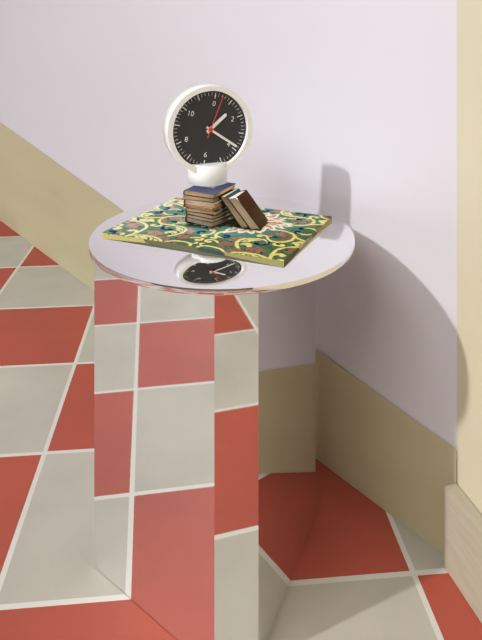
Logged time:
1:19
